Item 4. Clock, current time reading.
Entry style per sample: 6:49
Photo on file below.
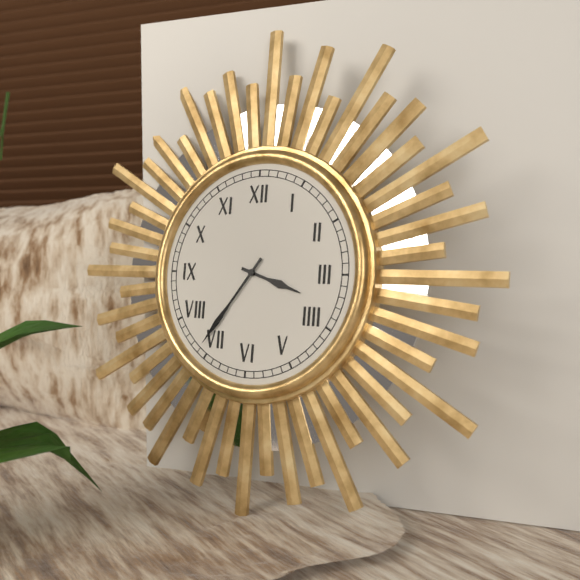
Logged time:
3:36
